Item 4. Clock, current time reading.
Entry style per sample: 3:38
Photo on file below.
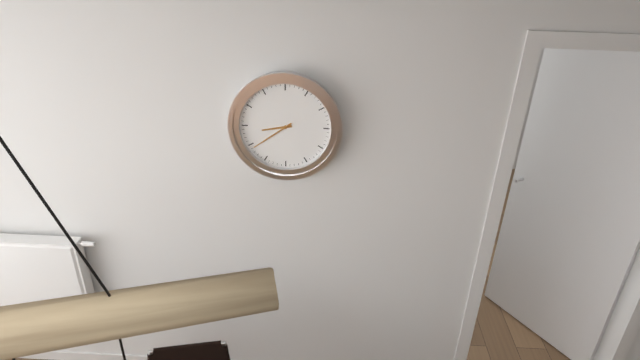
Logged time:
8:39
